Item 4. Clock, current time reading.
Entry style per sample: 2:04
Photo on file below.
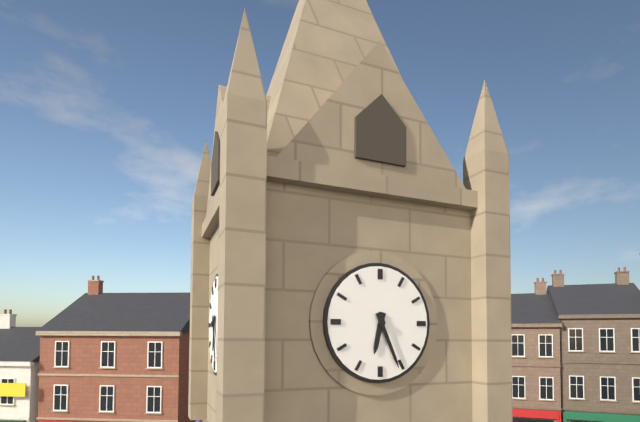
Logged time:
6:26
